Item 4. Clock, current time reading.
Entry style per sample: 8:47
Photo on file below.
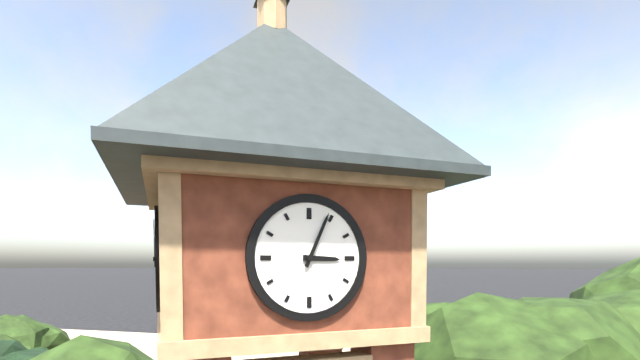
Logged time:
3:04
